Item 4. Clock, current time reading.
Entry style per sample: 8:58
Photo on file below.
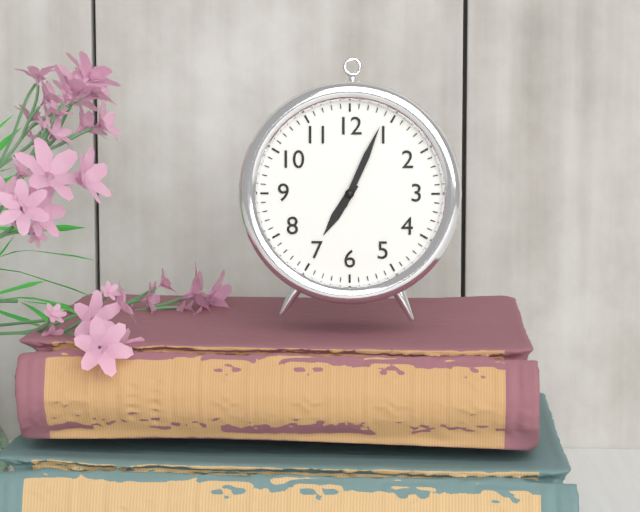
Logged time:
7:04
